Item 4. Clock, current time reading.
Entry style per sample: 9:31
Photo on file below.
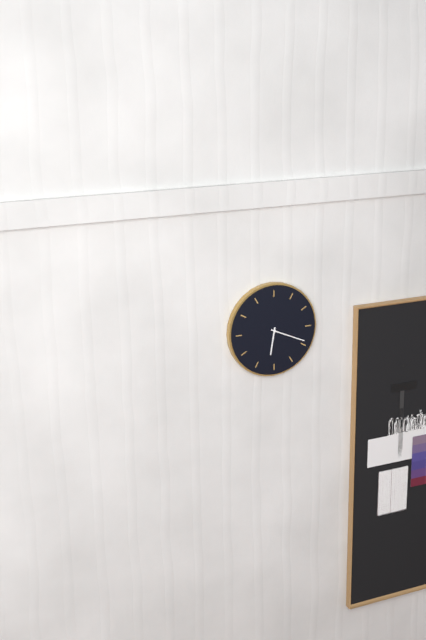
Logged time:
6:19
